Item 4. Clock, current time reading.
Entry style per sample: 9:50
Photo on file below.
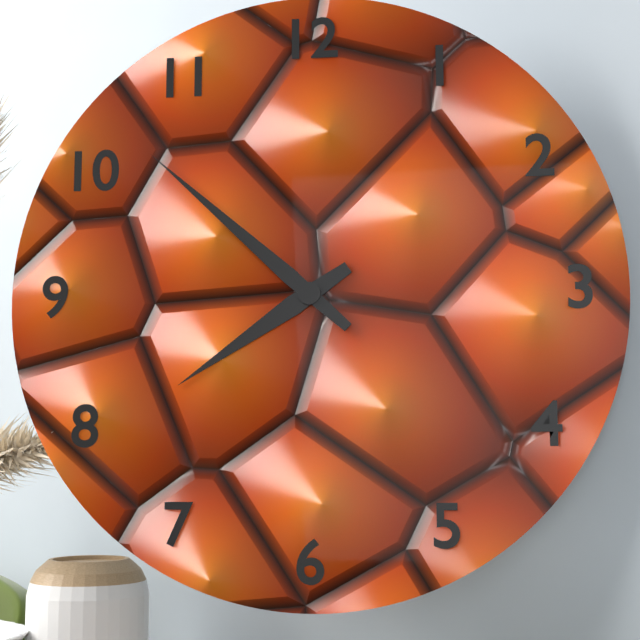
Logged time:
7:52
